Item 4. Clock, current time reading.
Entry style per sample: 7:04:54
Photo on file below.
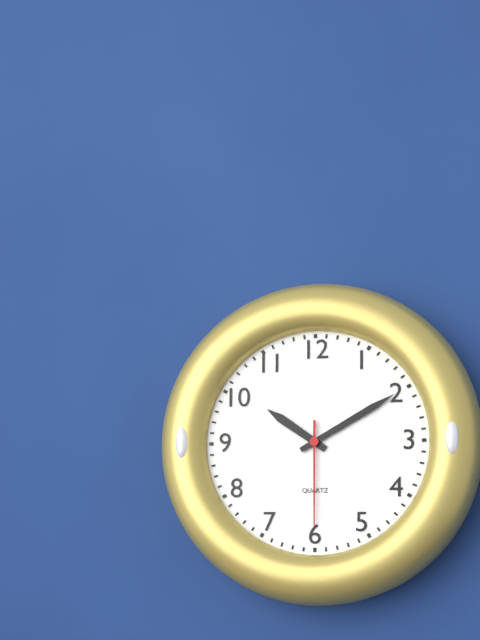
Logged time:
10:10:30
